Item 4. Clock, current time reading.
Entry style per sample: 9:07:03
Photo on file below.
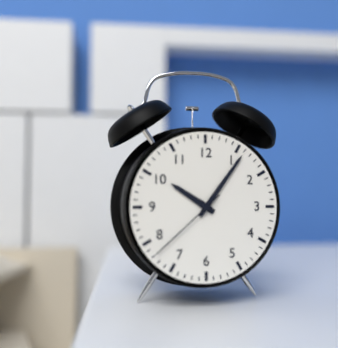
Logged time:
10:06:38
